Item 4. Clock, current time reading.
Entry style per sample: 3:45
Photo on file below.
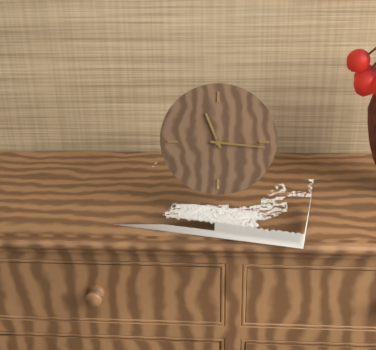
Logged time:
11:16
